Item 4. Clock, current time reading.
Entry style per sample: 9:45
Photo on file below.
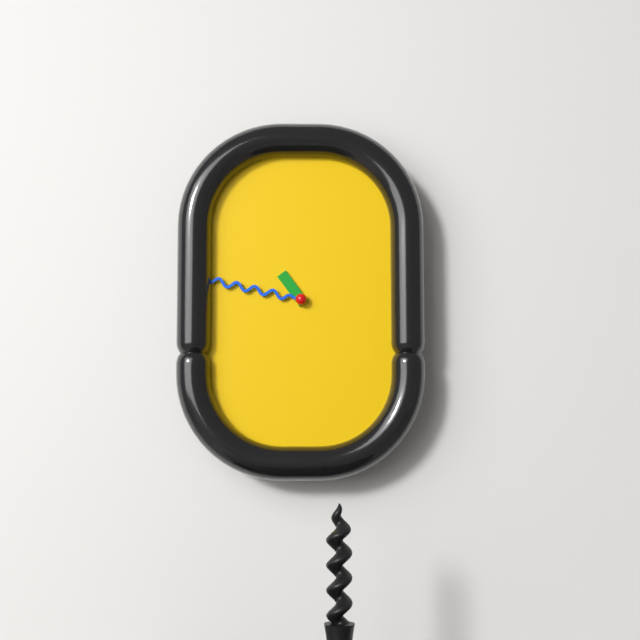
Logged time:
10:47
